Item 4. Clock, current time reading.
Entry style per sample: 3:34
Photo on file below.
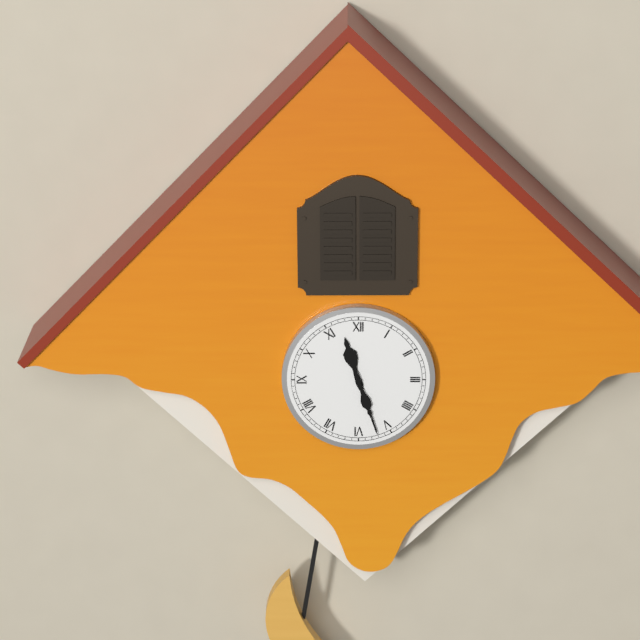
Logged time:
11:27
